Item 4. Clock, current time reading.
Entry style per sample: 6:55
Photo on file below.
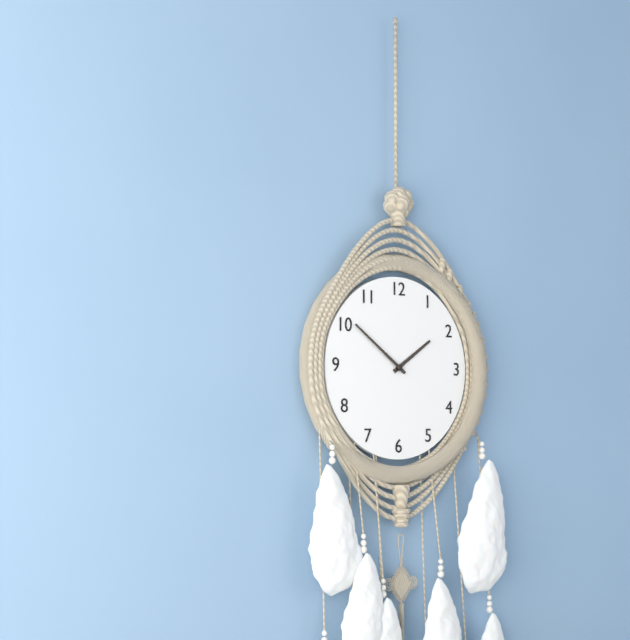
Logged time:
1:51
